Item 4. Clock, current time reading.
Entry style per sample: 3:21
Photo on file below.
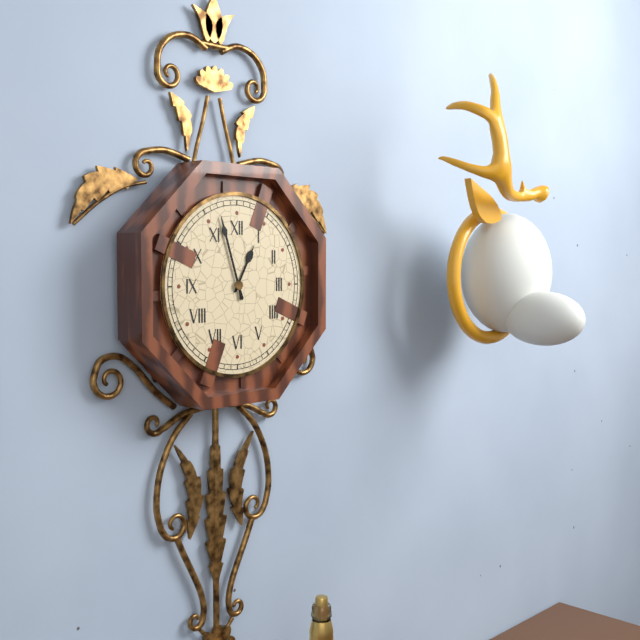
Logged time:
12:57
